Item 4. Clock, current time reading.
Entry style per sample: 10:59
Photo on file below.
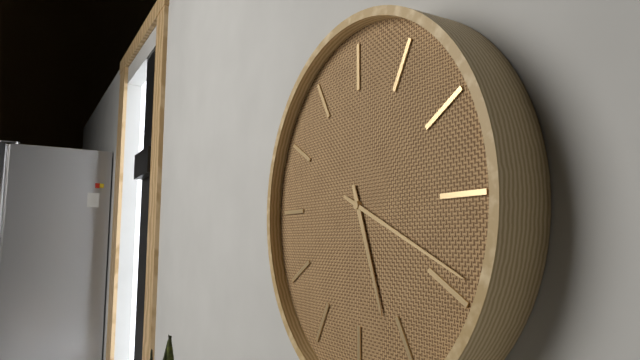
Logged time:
5:19
